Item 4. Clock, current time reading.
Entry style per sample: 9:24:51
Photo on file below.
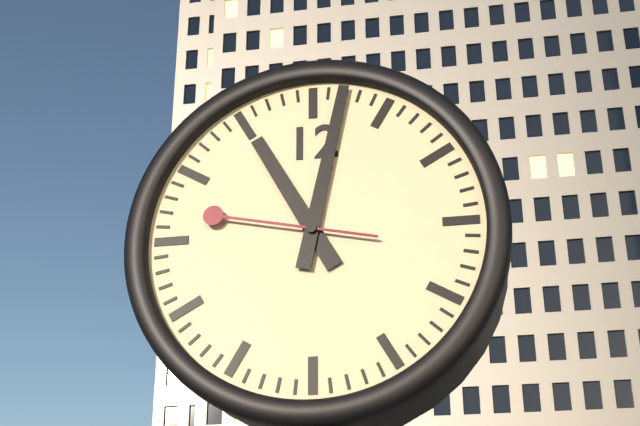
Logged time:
11:02:47
